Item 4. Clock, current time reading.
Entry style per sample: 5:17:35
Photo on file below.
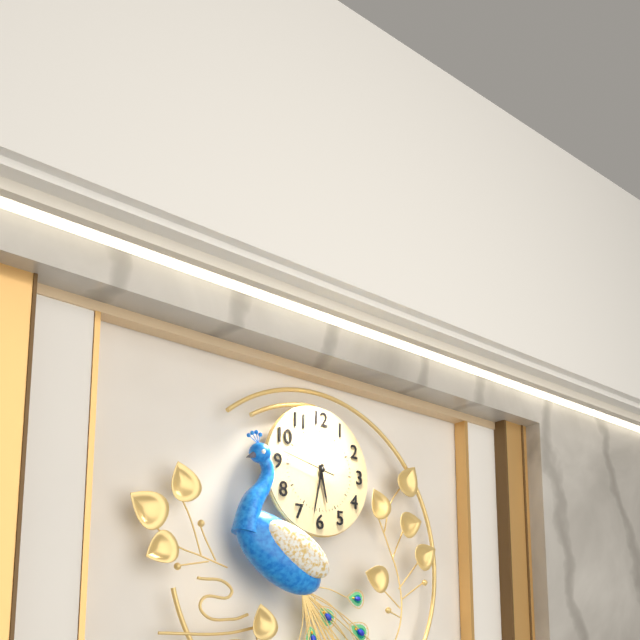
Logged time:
5:32:47
